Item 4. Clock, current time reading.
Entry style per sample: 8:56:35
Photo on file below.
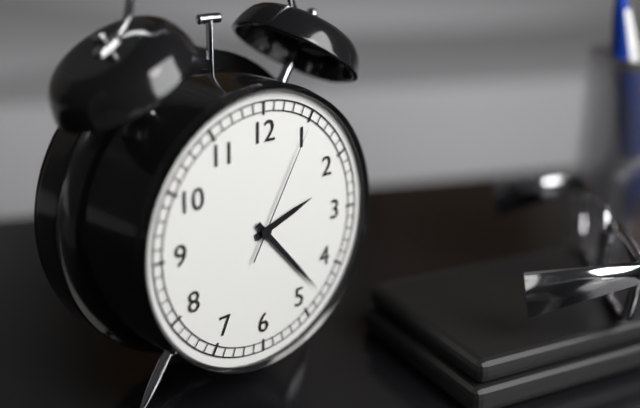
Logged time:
2:23:05
